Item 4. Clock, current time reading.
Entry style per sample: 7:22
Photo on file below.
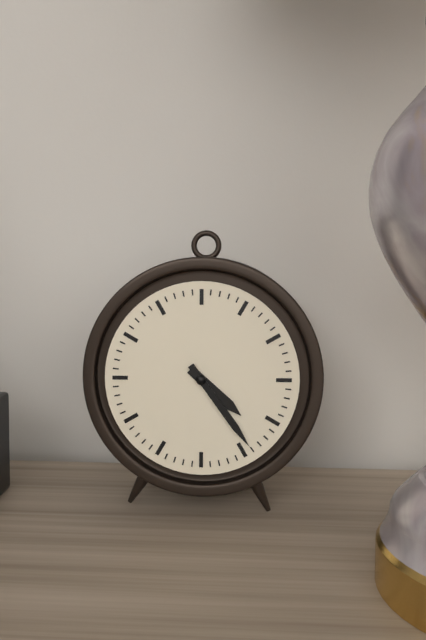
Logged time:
4:24
